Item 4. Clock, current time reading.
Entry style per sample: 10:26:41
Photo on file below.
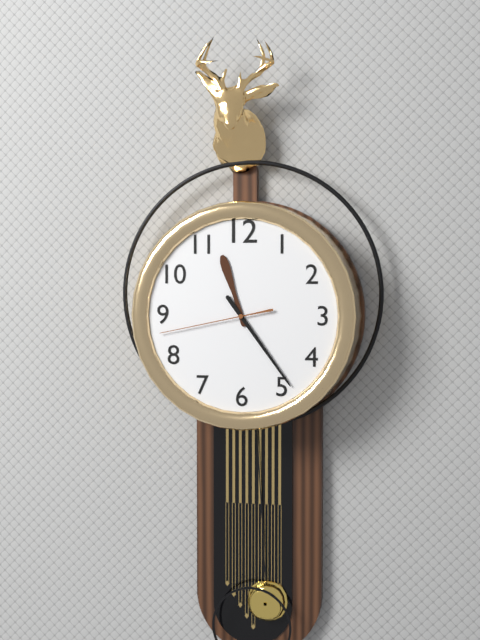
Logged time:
11:24:43
